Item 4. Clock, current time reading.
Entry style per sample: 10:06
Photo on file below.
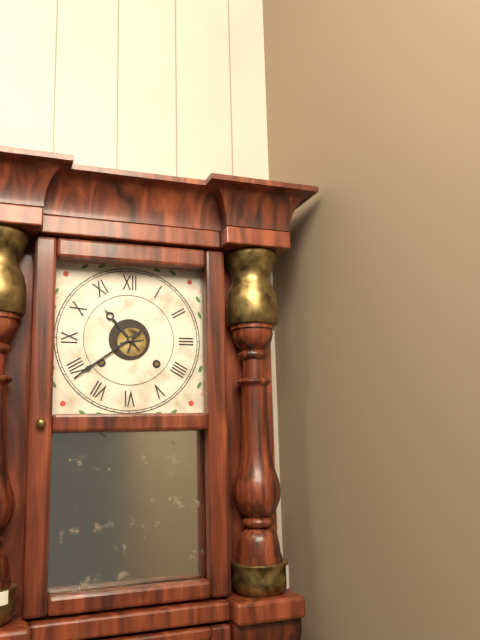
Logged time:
10:39
